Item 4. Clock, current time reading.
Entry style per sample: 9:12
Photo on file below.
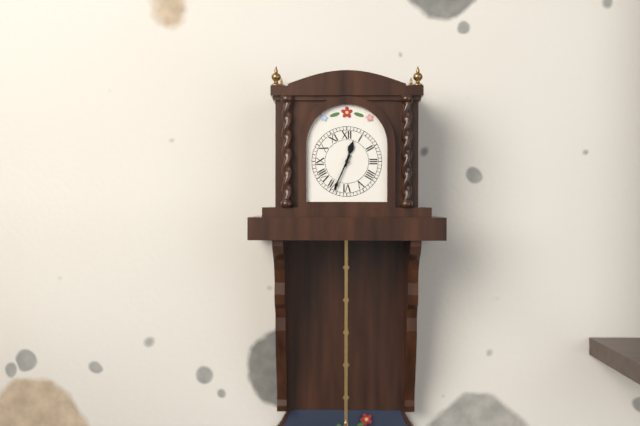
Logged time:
12:34
